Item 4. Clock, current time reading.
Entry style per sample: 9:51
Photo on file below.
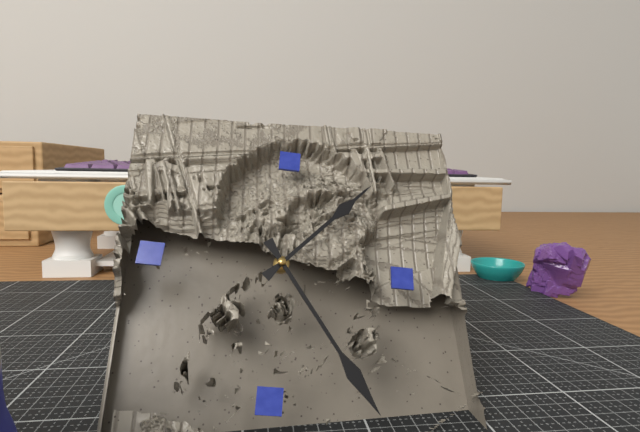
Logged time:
1:24
